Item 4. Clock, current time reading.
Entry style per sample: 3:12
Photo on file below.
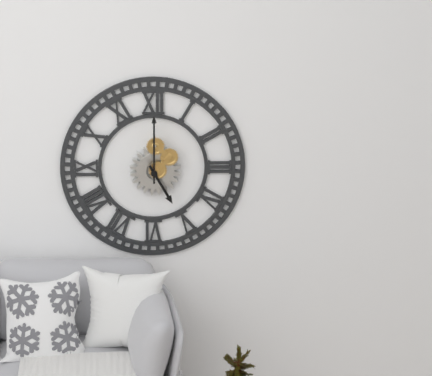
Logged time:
5:00
